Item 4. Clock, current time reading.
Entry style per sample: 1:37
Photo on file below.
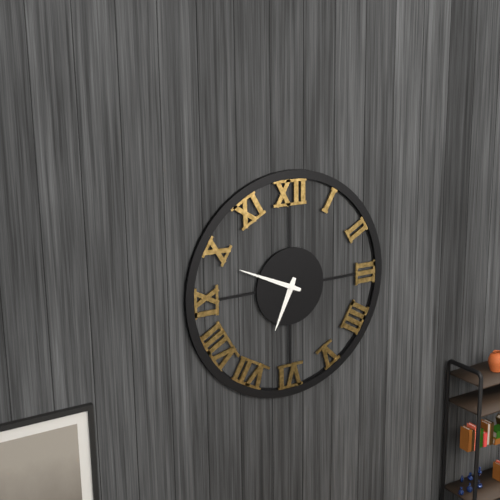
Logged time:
6:49
